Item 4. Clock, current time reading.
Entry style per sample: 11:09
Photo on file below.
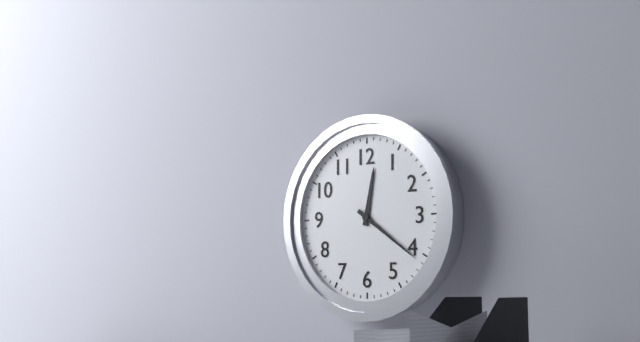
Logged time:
12:21
